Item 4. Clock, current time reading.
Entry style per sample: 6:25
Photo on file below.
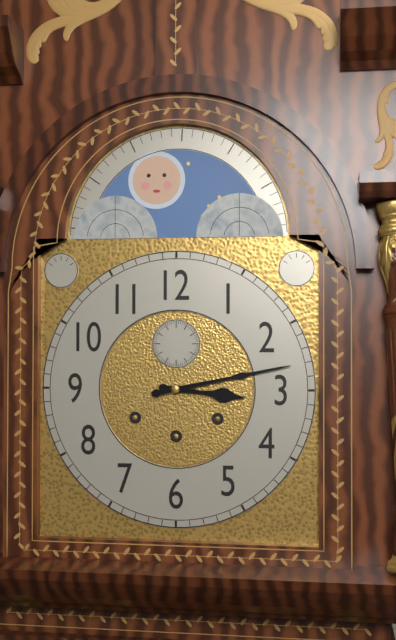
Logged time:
3:13
